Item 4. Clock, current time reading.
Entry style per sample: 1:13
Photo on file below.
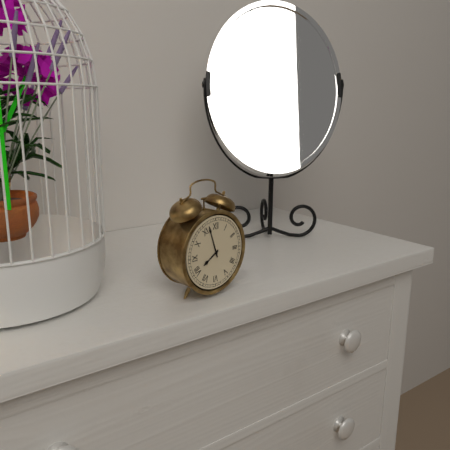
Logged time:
7:57
